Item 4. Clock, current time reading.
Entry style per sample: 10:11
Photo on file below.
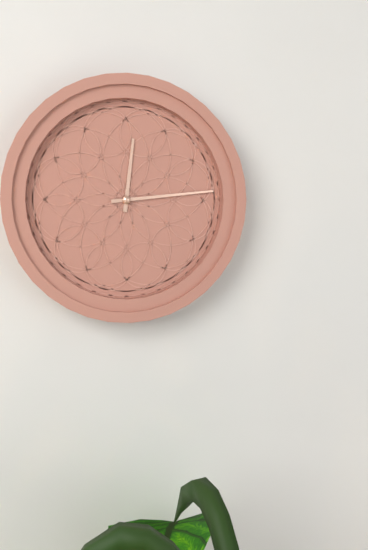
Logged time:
12:14
